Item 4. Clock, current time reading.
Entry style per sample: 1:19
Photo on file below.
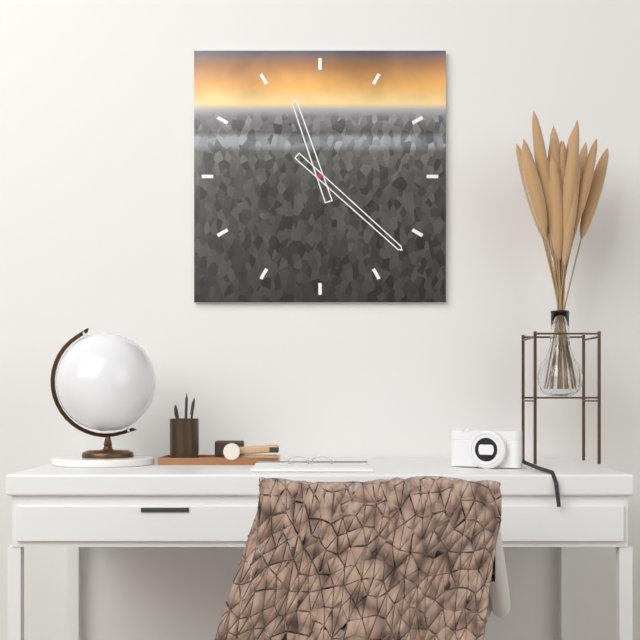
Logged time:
11:22
